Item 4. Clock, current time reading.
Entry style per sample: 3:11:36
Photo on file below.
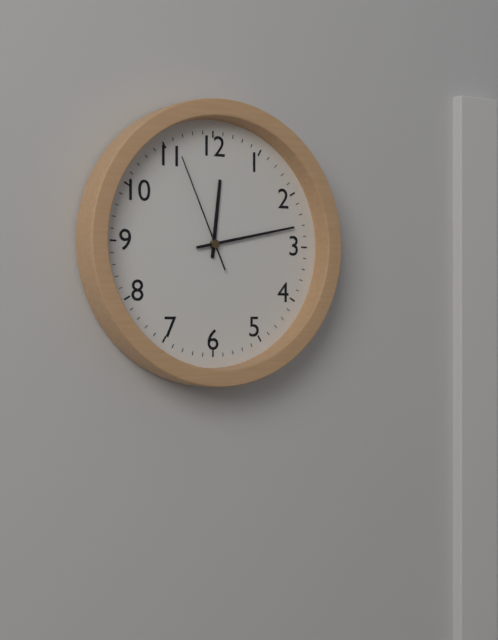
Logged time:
12:13:56
